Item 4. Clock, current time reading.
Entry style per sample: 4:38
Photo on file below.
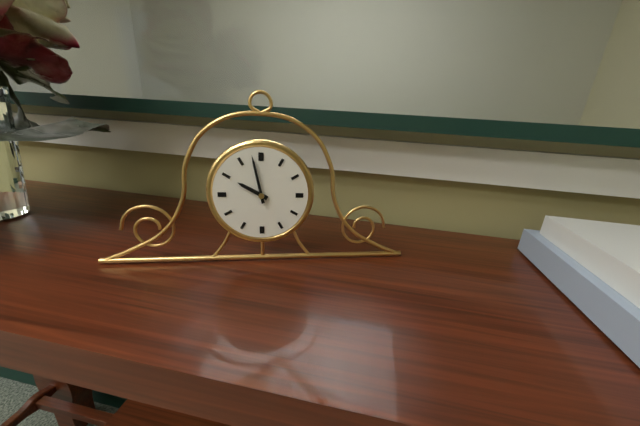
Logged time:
9:58
